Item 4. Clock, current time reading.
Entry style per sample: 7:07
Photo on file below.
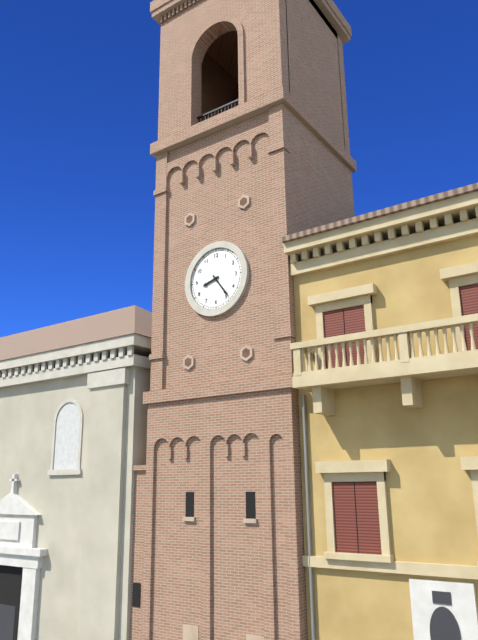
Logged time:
8:24
